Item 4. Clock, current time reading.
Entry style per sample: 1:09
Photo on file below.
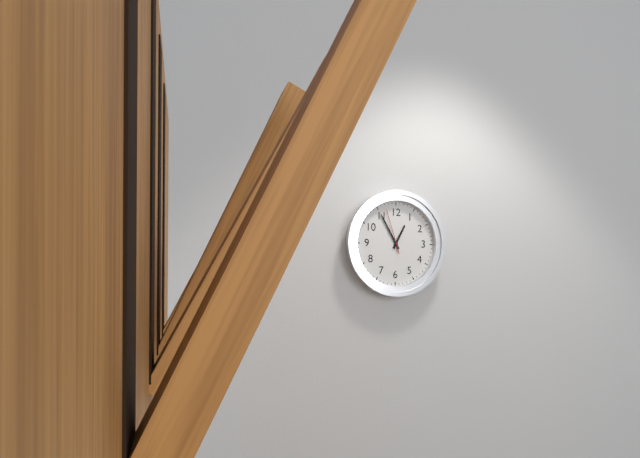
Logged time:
12:55
